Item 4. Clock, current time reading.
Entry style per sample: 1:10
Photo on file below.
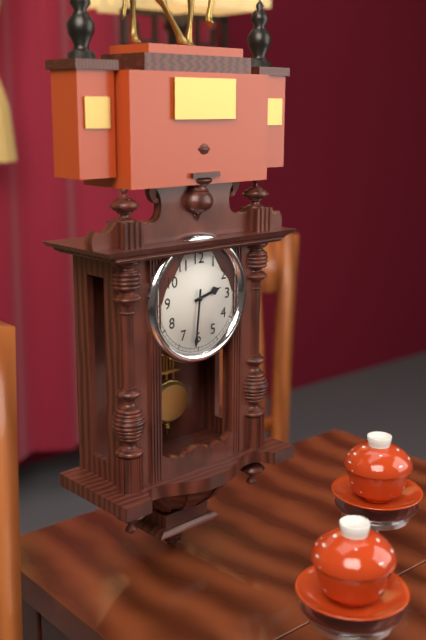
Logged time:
2:31
